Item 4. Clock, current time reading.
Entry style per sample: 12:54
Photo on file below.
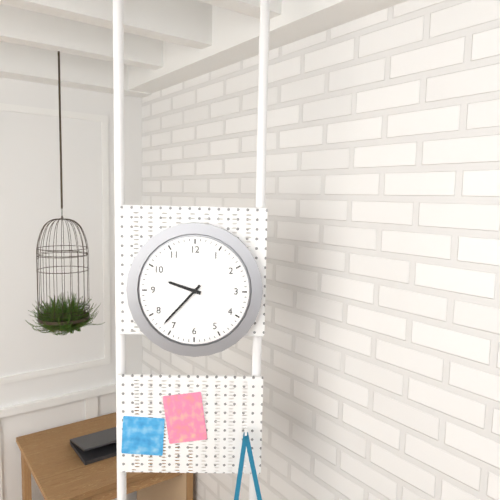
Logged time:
9:37
